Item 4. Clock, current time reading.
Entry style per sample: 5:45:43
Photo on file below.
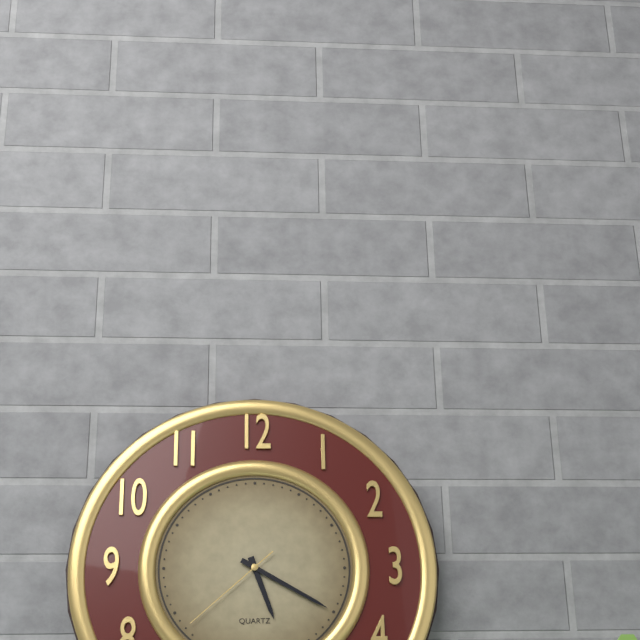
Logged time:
5:20:38
